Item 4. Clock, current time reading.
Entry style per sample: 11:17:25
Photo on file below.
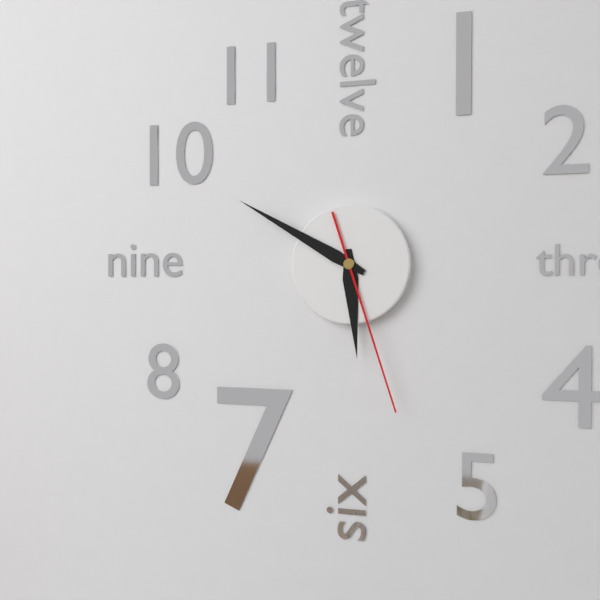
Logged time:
5:50:27
